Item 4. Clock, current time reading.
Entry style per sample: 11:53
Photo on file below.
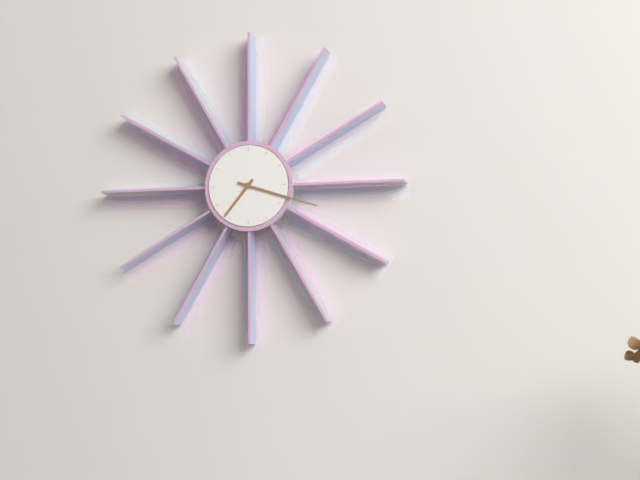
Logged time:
7:18
